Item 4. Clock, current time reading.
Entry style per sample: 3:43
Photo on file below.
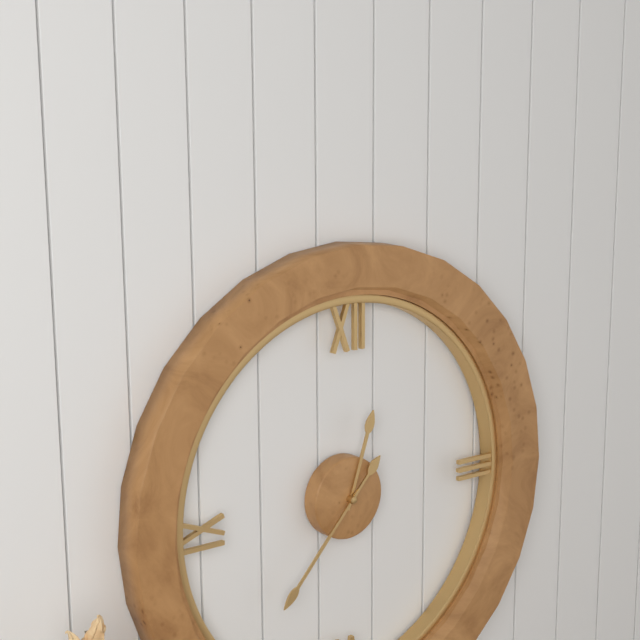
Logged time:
12:37
